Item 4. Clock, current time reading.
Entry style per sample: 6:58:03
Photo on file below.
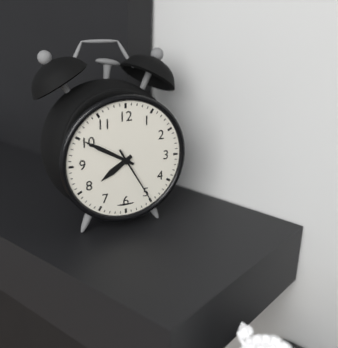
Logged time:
7:50:25
